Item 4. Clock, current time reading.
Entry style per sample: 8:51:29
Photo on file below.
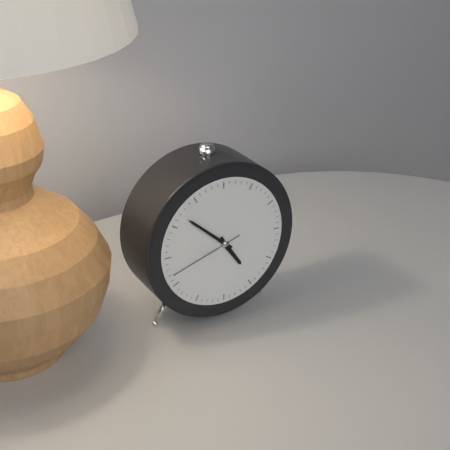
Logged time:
4:52:42
